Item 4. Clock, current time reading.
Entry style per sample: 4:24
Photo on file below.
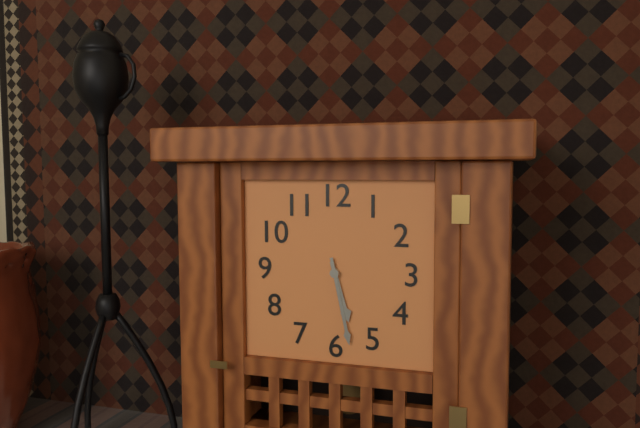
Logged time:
5:28
